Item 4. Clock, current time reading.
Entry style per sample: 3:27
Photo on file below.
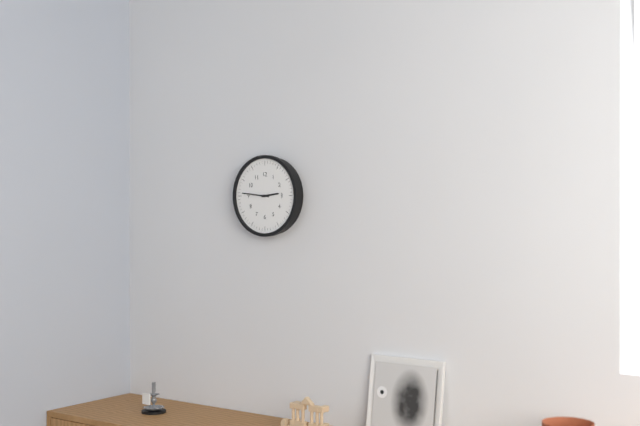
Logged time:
2:46
